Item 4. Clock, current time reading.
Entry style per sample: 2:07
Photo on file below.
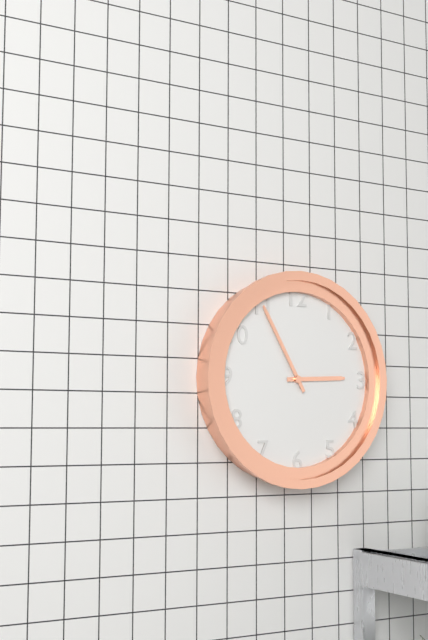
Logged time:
2:55
